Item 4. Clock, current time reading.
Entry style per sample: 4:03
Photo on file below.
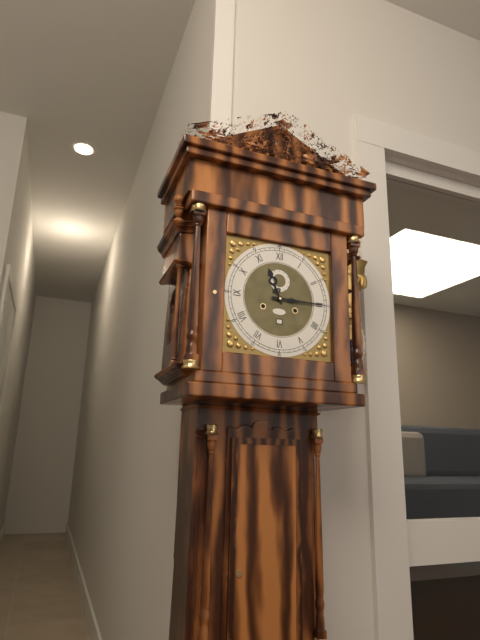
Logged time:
11:15
